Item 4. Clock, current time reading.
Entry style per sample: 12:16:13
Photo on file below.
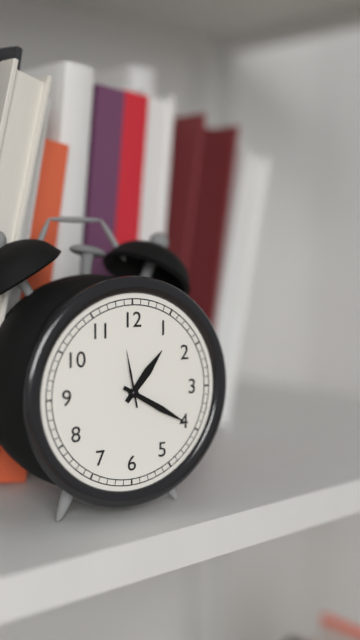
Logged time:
1:20:58
